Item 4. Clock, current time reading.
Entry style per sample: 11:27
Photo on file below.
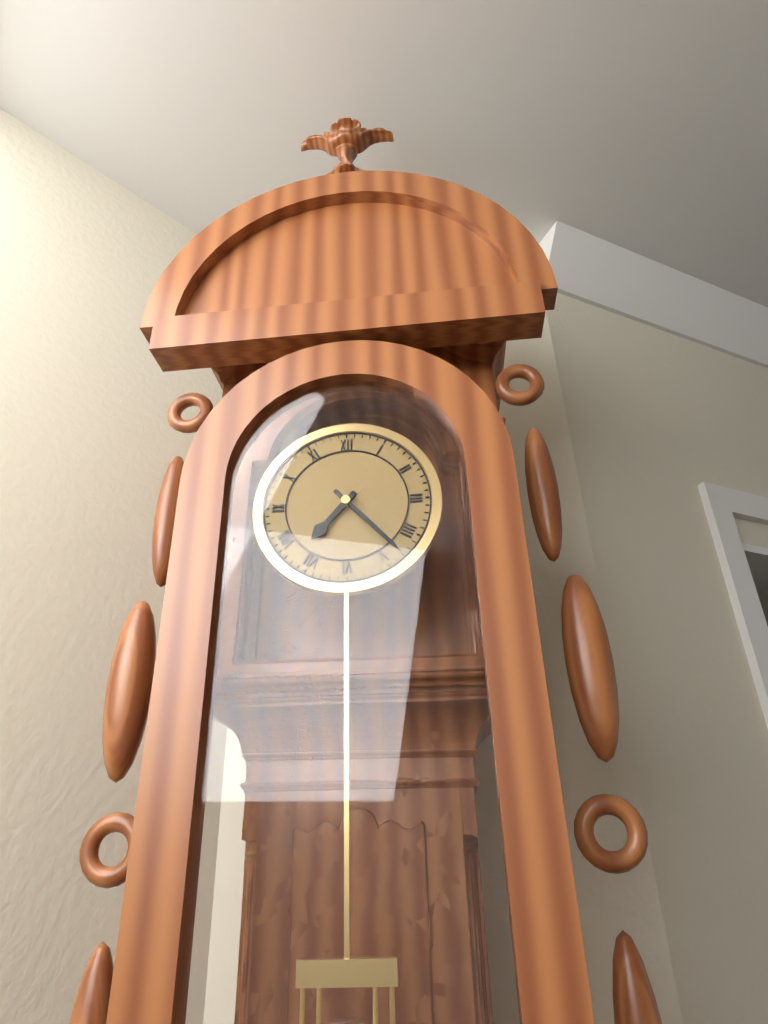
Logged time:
7:23
